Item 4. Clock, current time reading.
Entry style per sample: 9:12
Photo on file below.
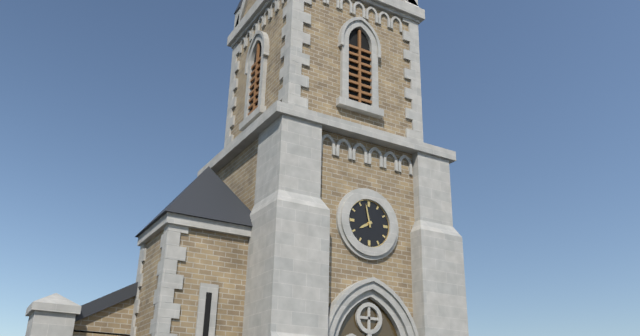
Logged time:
7:58
